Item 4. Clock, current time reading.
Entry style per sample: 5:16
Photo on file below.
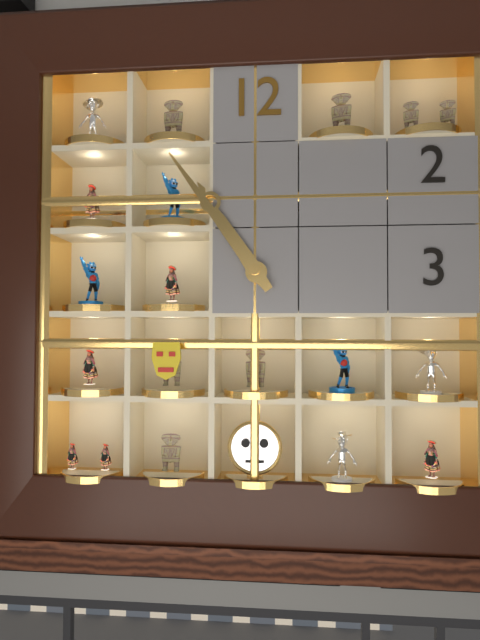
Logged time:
10:54
